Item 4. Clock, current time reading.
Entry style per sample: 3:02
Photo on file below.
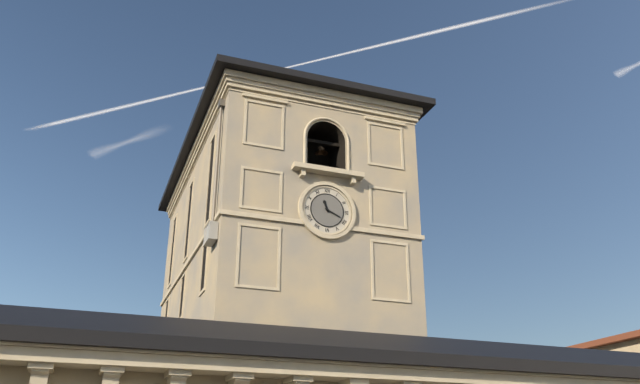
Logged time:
11:19
